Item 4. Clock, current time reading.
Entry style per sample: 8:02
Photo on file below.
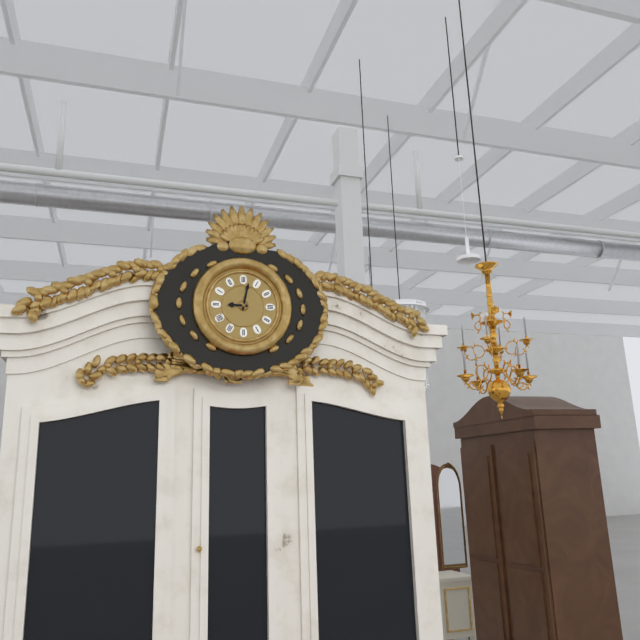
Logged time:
9:02
